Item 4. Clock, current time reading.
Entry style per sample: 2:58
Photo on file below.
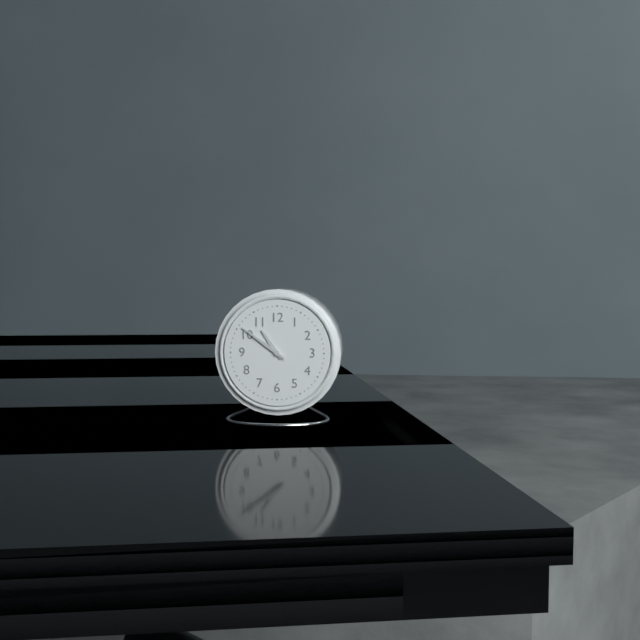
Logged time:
10:51
